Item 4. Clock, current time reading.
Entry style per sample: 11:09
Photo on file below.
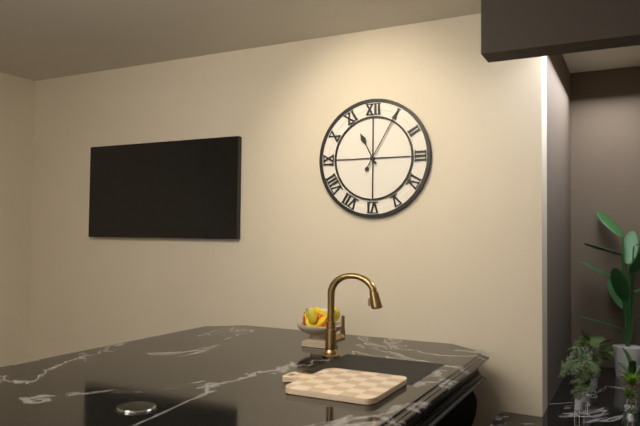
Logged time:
11:05
